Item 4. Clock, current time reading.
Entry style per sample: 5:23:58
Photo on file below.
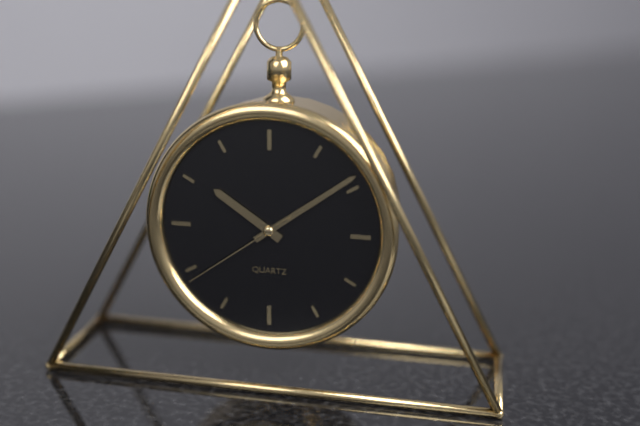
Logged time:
10:09:39
